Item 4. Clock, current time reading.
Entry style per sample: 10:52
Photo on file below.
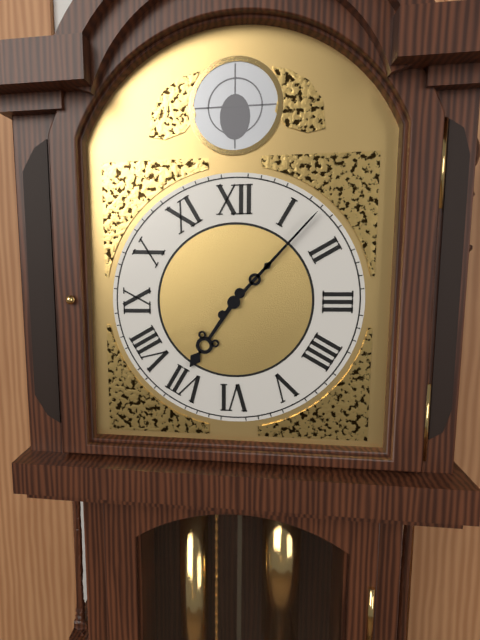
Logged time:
7:07
